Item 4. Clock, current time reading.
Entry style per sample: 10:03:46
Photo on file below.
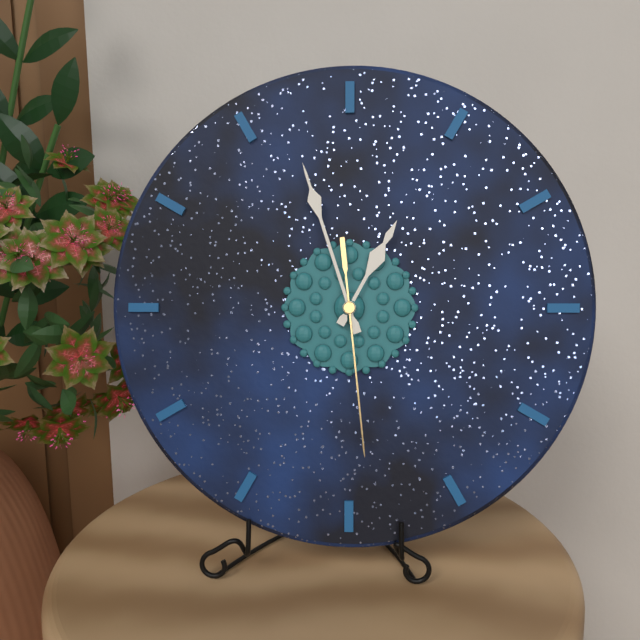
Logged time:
12:57:29
